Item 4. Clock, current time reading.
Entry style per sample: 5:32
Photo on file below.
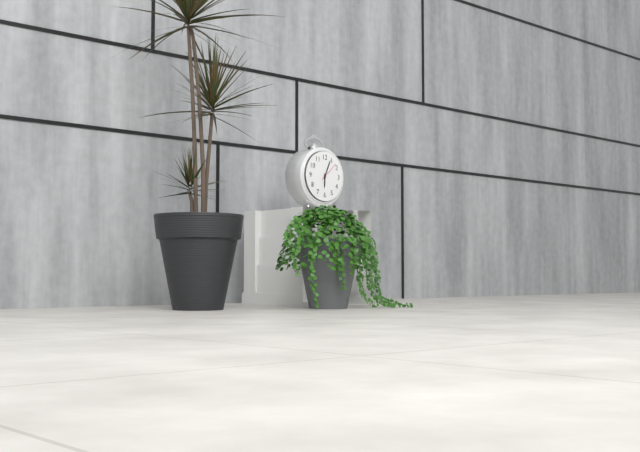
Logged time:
6:04
